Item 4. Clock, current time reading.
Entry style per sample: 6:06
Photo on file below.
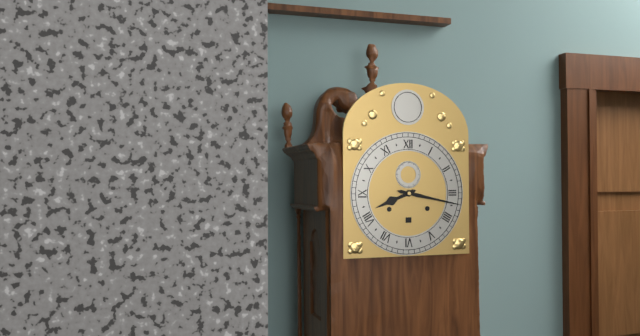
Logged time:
8:17
